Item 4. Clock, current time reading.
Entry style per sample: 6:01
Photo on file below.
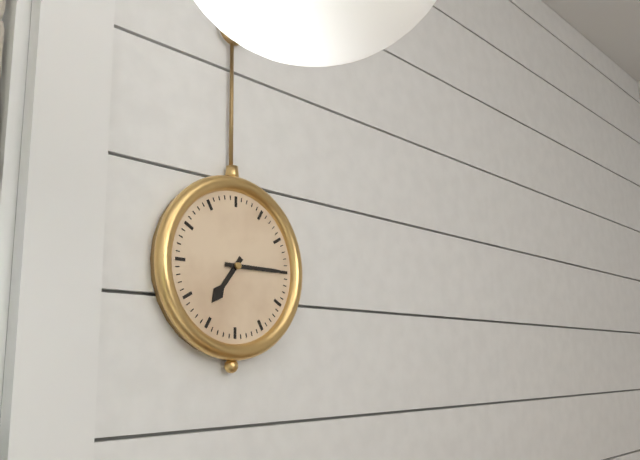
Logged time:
7:15
